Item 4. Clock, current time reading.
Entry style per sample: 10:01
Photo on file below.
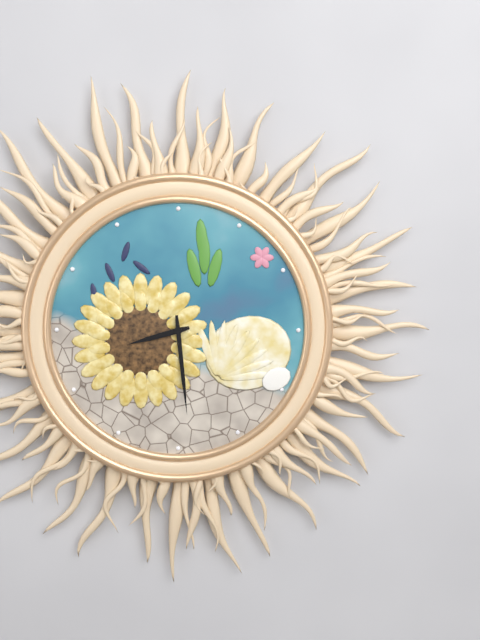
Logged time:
8:29
